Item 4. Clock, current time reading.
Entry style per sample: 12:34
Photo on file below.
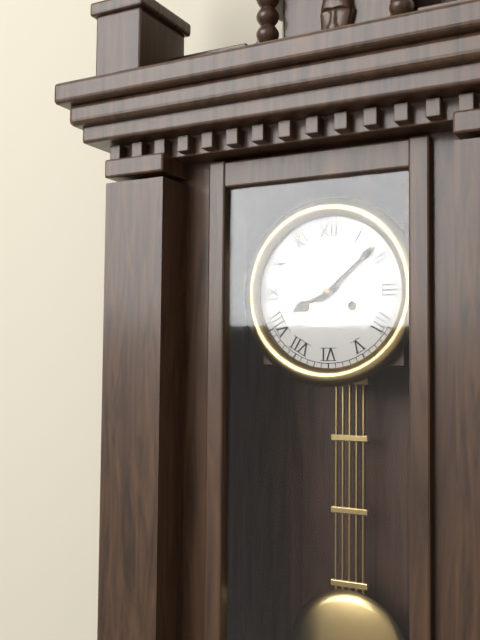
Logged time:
8:08
